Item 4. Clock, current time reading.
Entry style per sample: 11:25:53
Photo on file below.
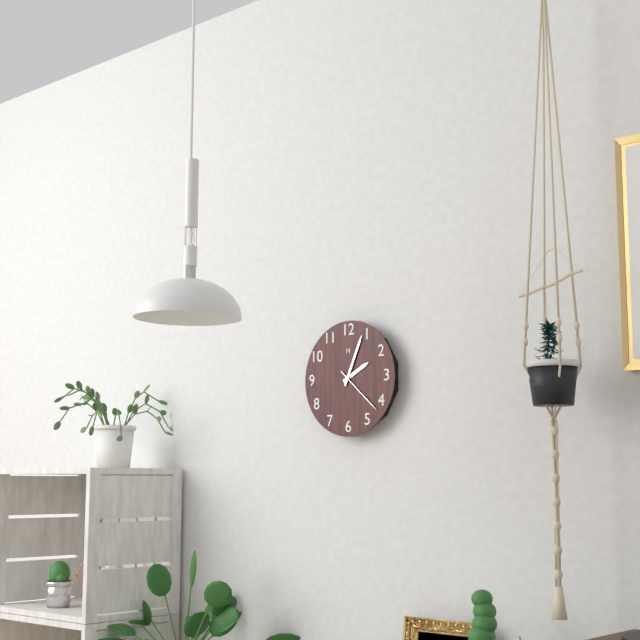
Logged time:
2:04:22
